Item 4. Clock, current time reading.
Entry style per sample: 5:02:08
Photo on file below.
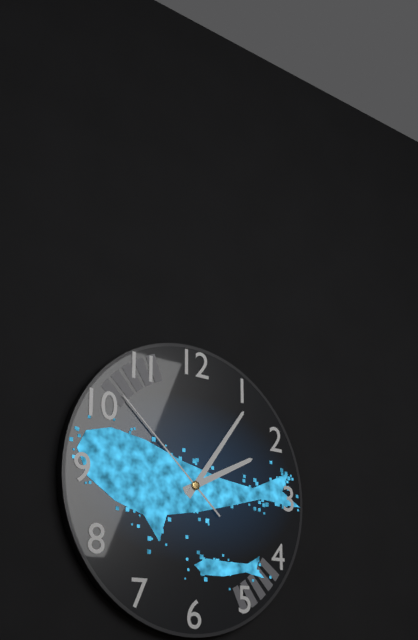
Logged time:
2:06:52
